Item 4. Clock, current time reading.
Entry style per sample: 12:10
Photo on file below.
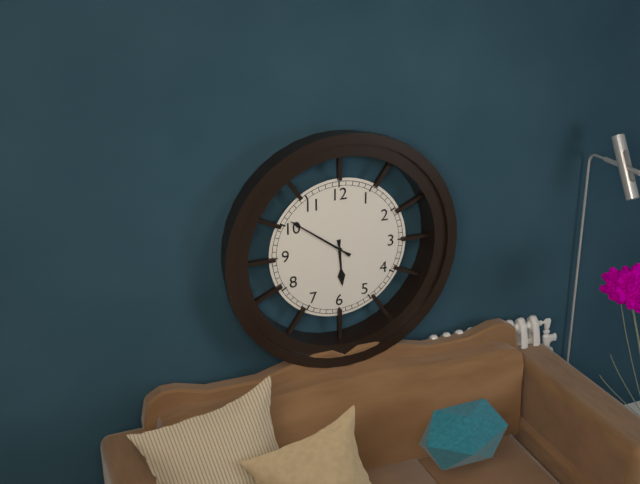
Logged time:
5:51
